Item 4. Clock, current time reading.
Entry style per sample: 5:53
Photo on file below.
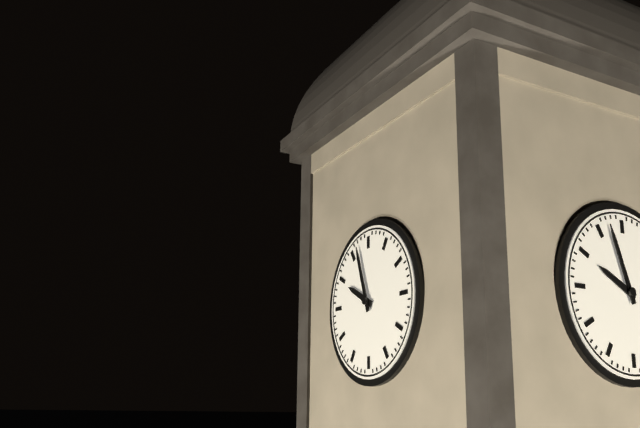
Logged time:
9:57
